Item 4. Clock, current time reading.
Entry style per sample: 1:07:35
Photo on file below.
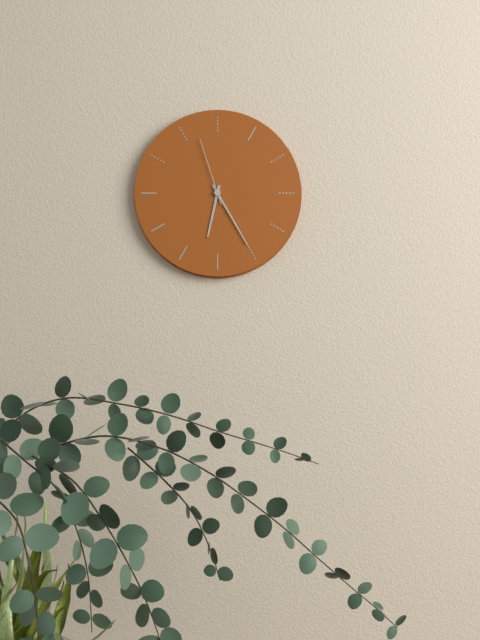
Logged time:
6:25:57
